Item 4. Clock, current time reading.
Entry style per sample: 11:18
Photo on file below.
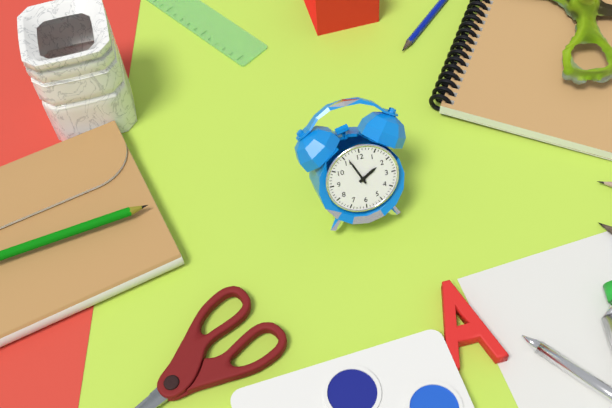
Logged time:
1:56
